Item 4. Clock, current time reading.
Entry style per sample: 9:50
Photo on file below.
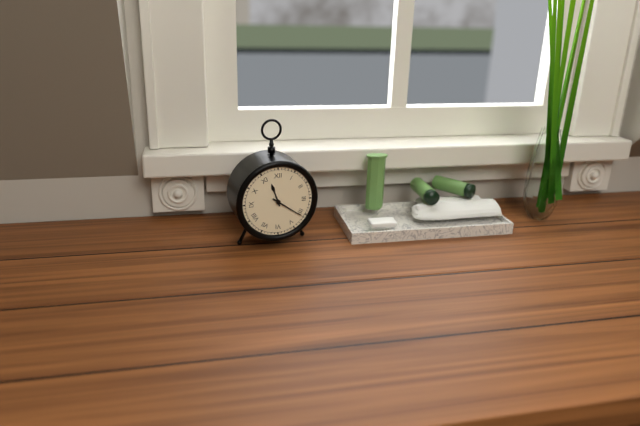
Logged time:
11:21
